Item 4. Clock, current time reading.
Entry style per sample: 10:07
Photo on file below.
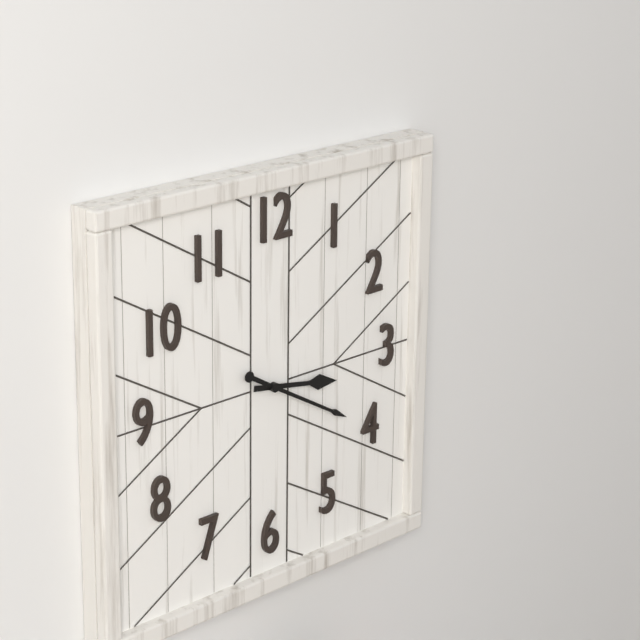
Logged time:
3:20
